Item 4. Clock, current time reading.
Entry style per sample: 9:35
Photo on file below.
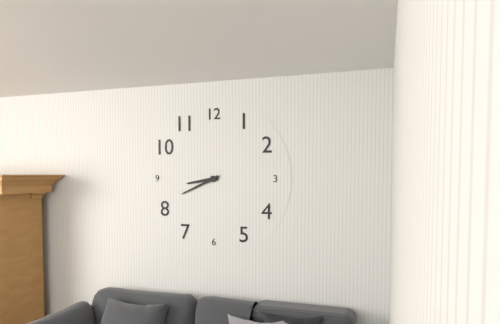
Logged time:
8:41
